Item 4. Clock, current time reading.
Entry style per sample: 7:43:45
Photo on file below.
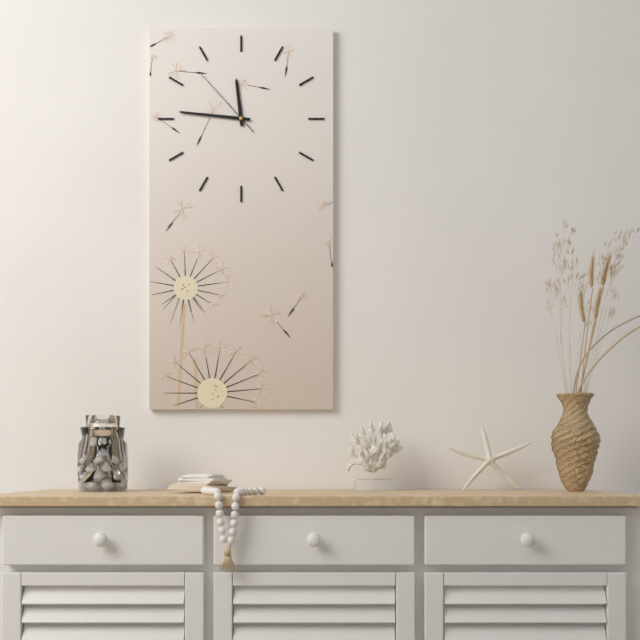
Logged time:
11:46:53
